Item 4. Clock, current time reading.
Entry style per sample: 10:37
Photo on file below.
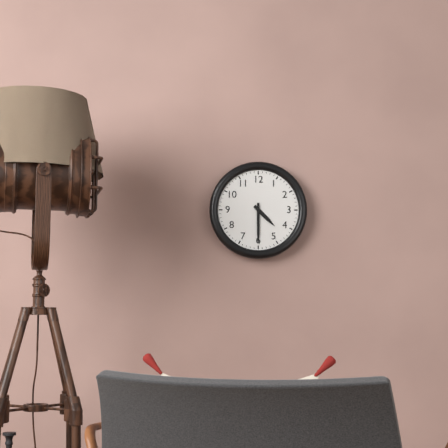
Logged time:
4:30
